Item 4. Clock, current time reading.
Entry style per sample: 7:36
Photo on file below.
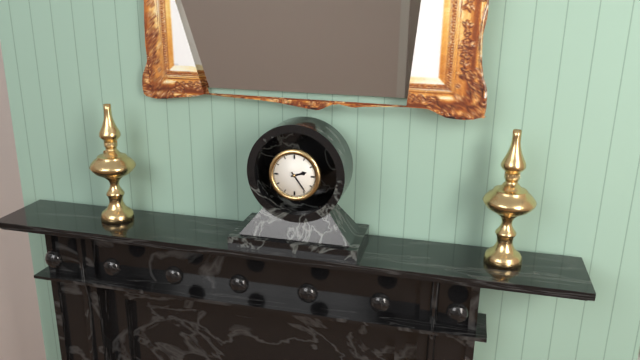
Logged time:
2:24
